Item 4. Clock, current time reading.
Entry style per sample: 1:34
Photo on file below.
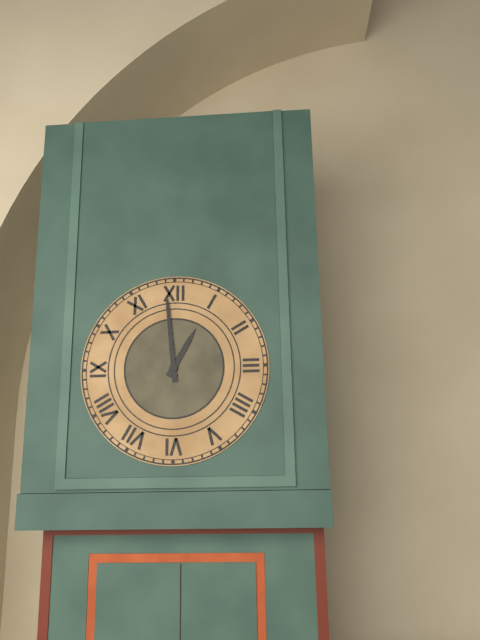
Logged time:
12:59
